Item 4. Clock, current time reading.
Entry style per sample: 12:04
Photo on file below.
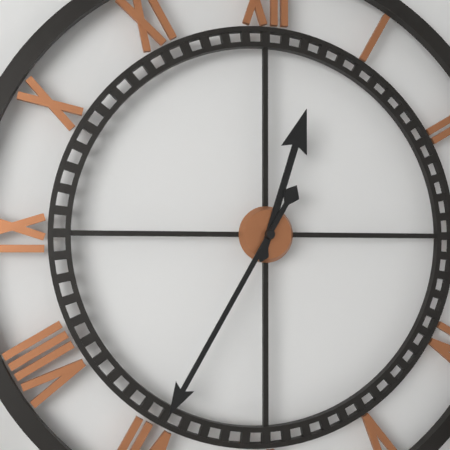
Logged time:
12:35
